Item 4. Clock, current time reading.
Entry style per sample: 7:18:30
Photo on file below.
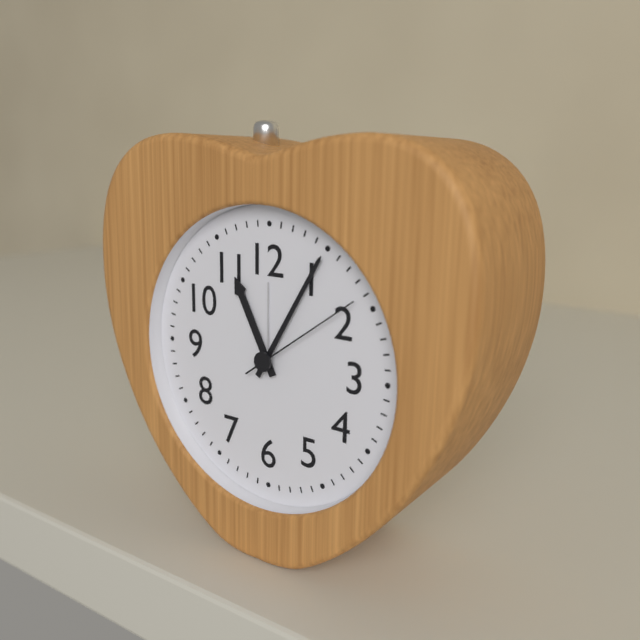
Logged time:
11:05:09
